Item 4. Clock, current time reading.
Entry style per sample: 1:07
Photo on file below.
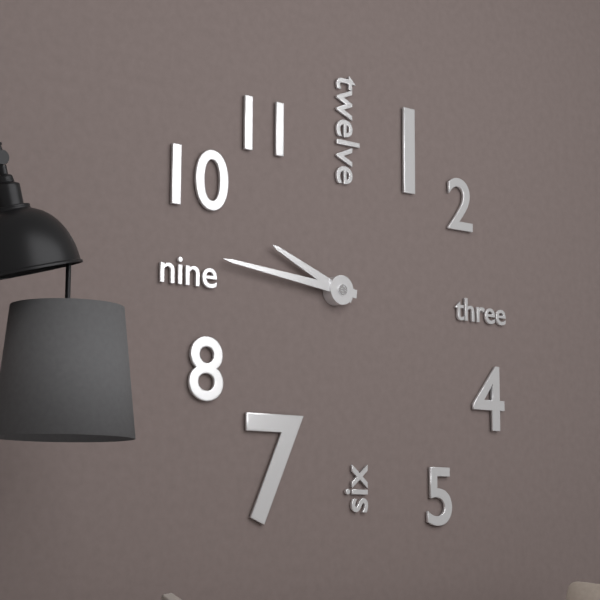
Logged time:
9:46
